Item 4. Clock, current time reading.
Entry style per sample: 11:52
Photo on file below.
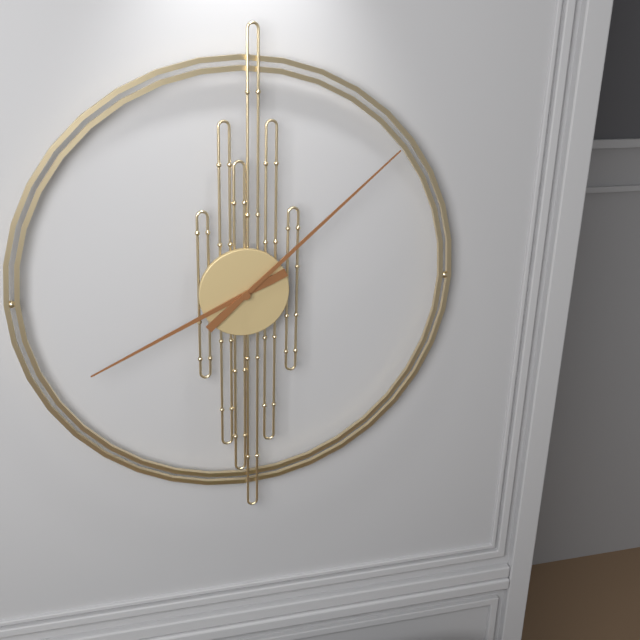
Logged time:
8:08
